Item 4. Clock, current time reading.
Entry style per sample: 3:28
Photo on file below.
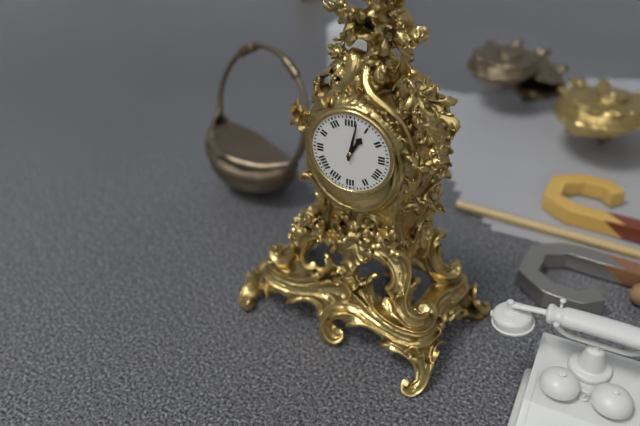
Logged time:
1:02
